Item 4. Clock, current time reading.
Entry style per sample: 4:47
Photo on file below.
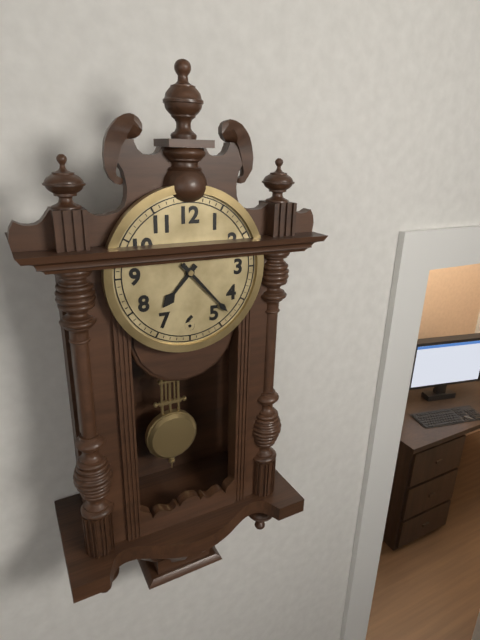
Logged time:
7:23
